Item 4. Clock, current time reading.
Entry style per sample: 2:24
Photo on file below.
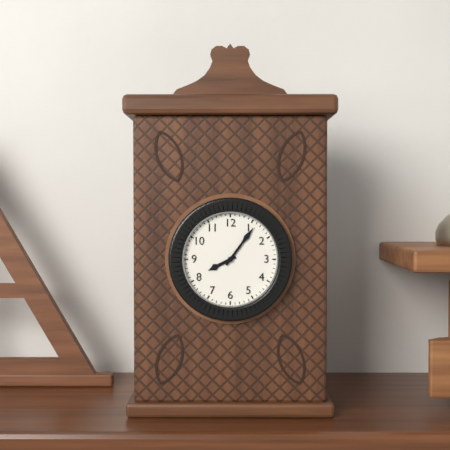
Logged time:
8:06
